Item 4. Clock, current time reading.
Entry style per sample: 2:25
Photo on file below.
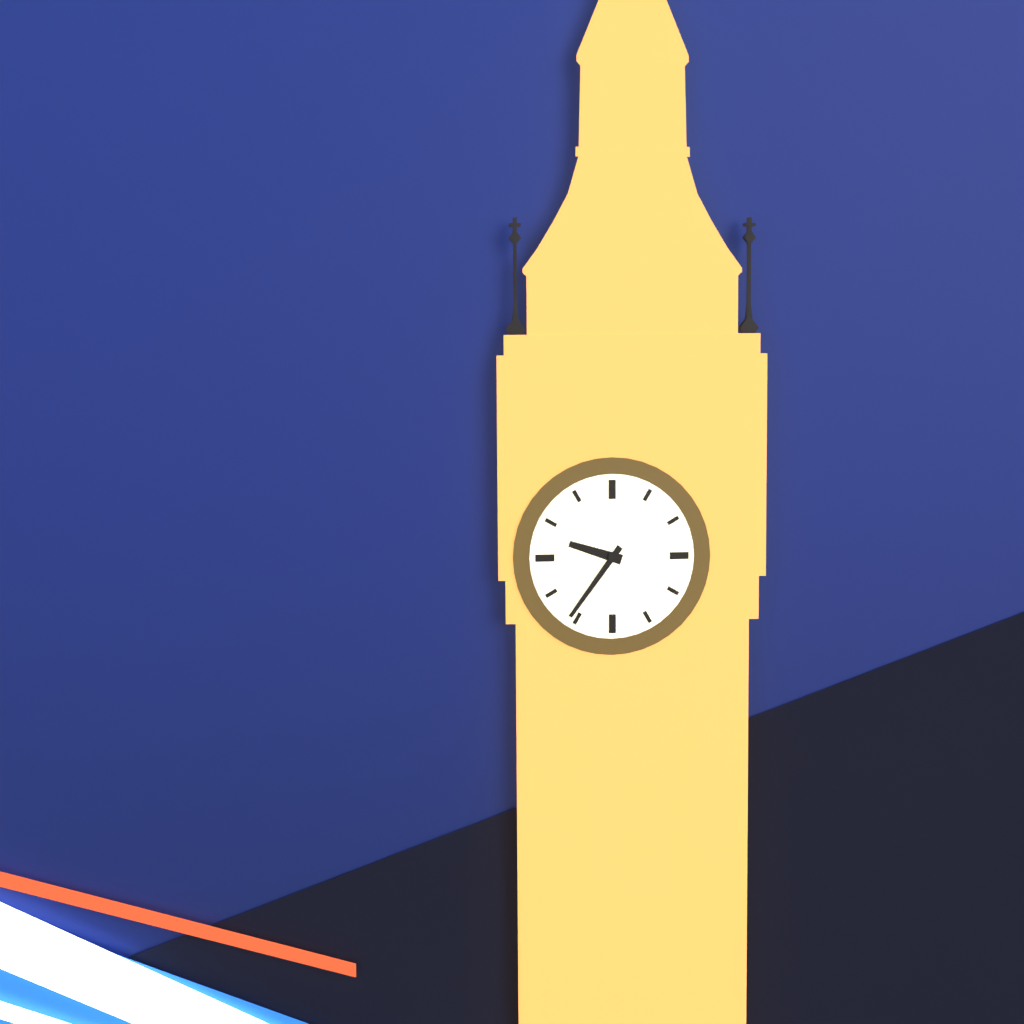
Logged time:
9:36
